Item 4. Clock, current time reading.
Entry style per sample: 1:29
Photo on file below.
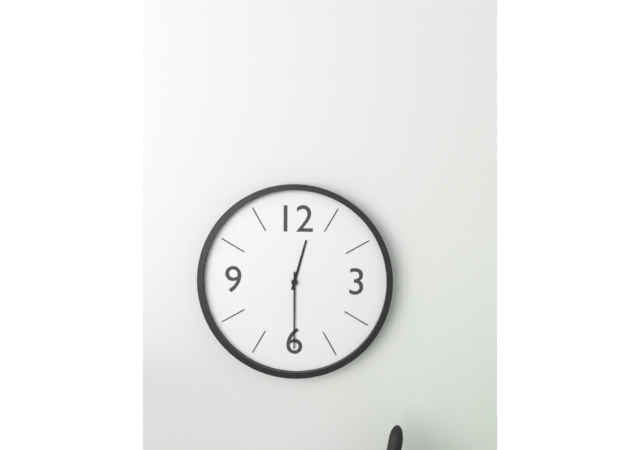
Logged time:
12:30
